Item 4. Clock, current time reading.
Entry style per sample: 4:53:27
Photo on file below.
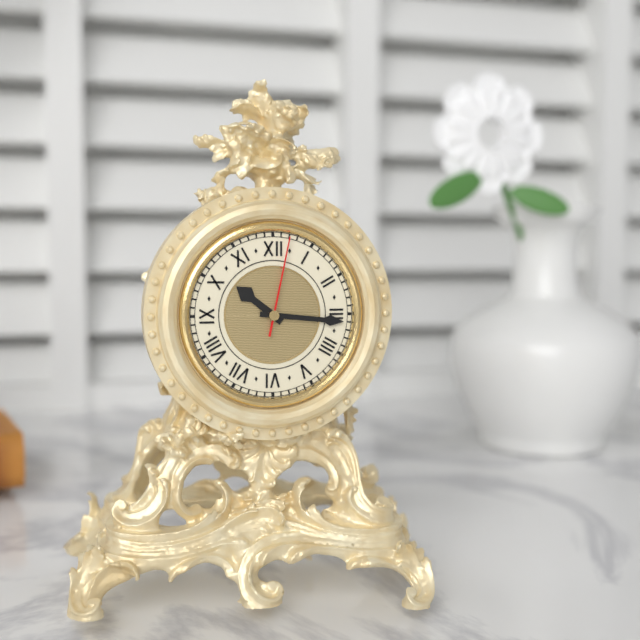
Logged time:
10:16:02
